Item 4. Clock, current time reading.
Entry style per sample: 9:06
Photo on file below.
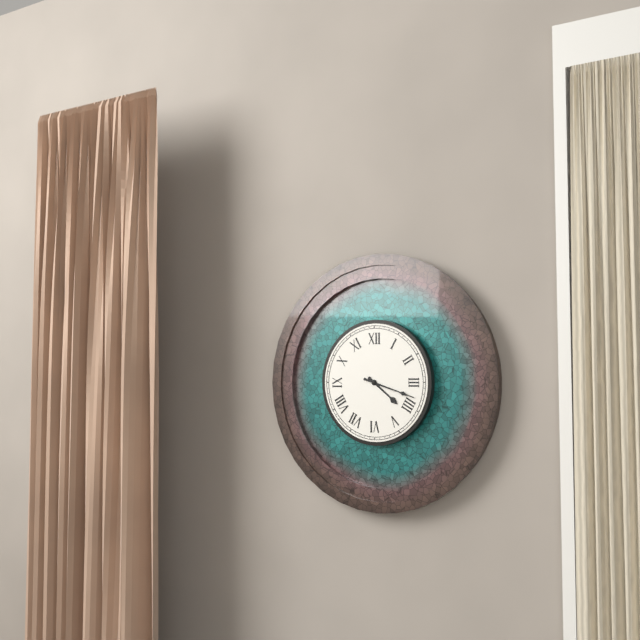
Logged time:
4:18
